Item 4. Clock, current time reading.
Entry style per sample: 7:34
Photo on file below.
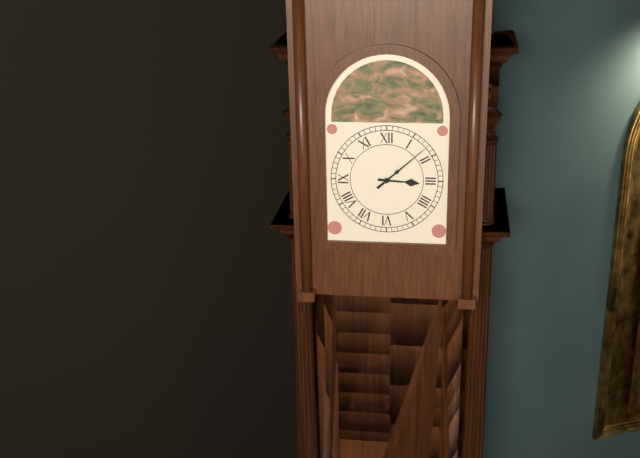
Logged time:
3:08
